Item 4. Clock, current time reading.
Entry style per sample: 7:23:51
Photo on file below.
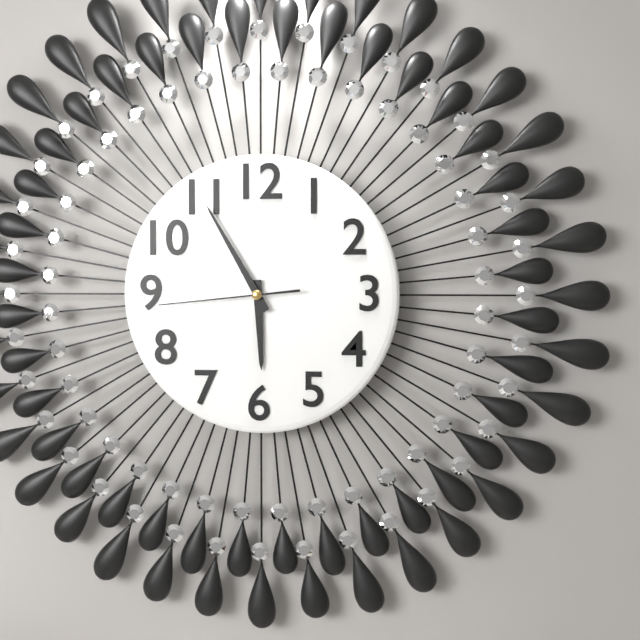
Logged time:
5:55:44
